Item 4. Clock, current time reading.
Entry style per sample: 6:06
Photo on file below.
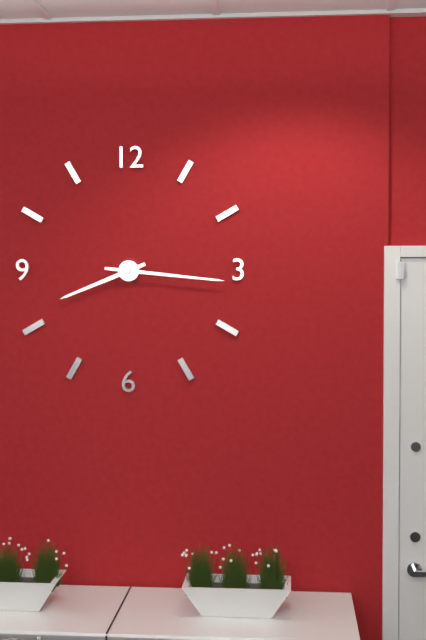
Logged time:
8:16
